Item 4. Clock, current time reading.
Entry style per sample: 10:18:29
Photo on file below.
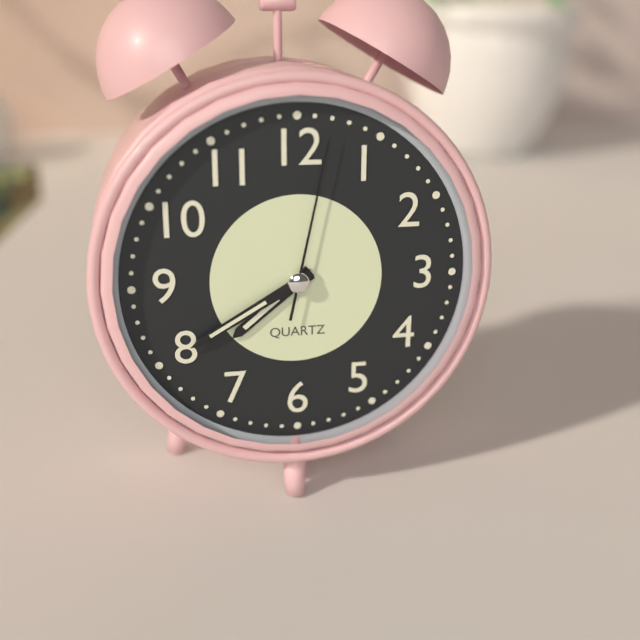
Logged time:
7:40:02
